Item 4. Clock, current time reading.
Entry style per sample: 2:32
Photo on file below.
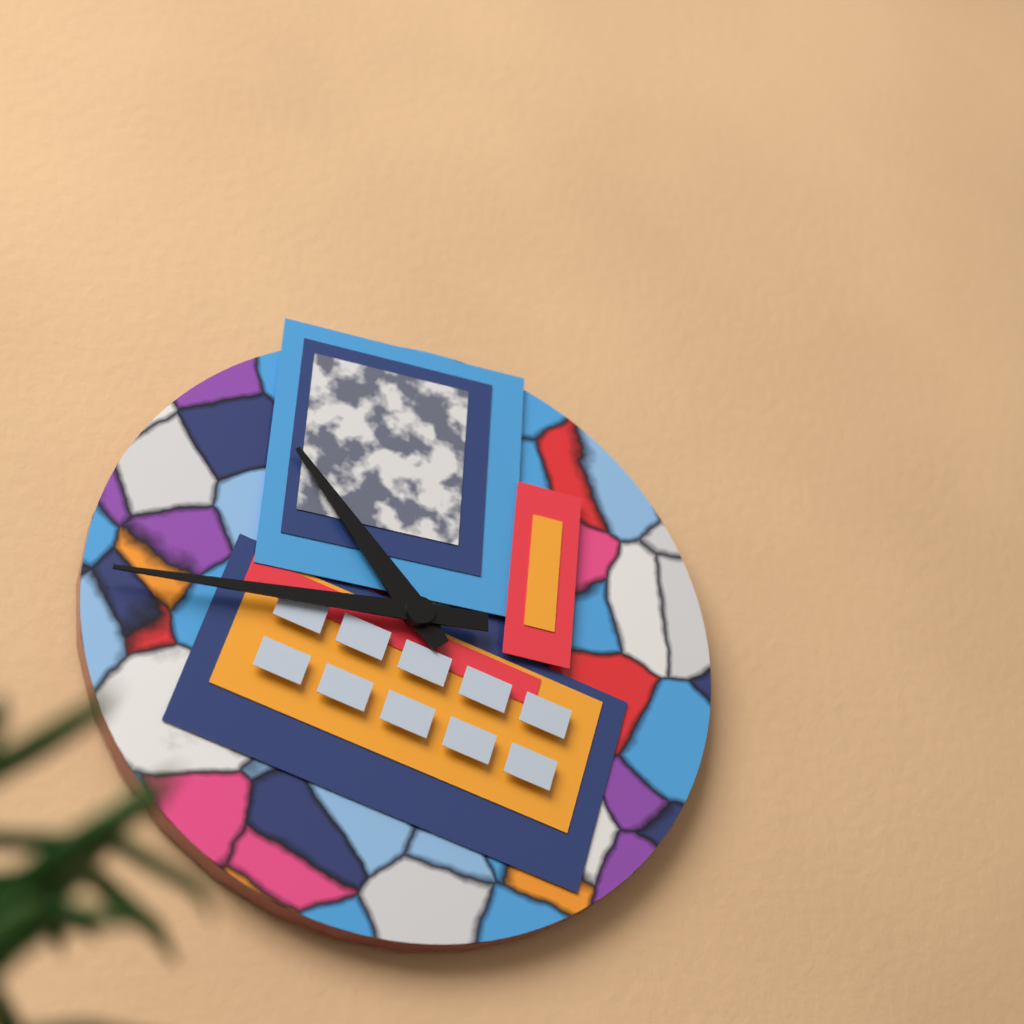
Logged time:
10:45
